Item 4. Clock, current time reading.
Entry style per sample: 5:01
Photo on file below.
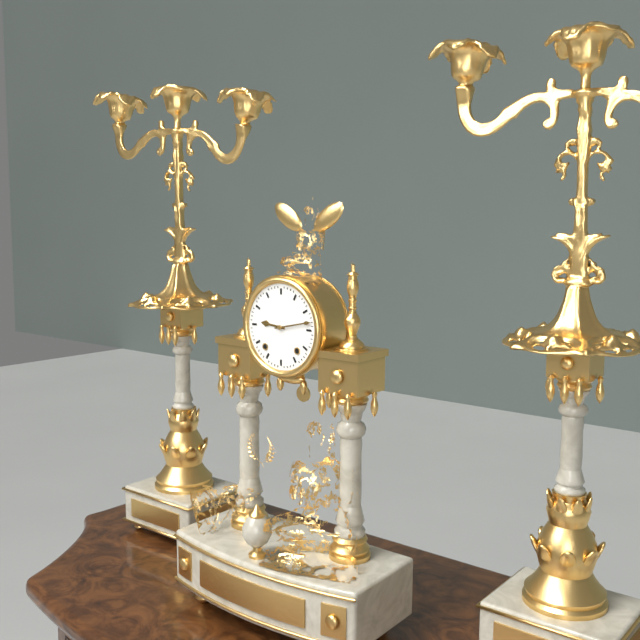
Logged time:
9:13
